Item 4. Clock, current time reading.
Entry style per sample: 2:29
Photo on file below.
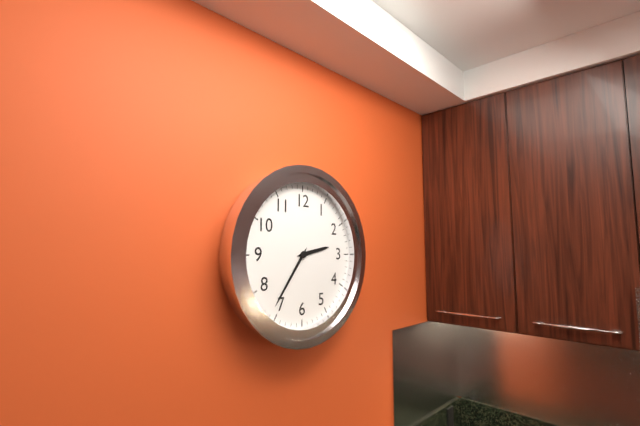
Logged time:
2:36
